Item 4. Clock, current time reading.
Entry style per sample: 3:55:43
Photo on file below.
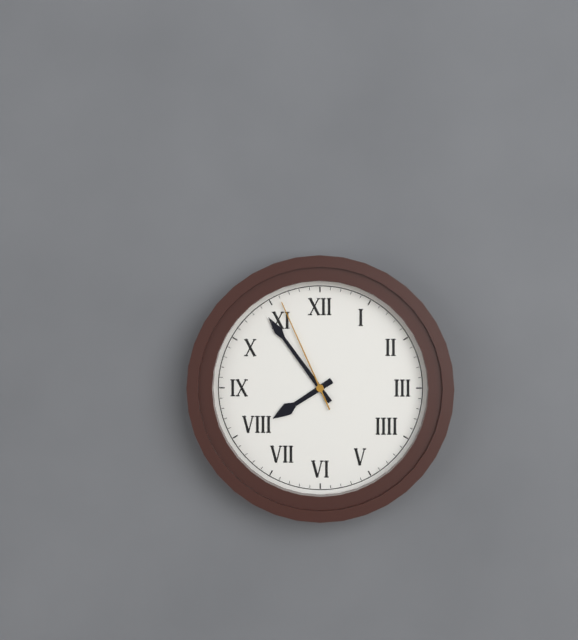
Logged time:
7:54:56
